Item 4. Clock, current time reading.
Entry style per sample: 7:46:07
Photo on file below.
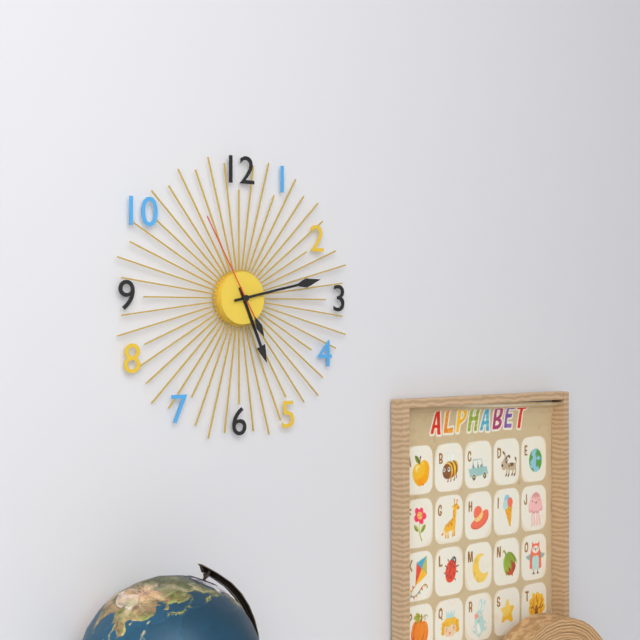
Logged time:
5:13:55
